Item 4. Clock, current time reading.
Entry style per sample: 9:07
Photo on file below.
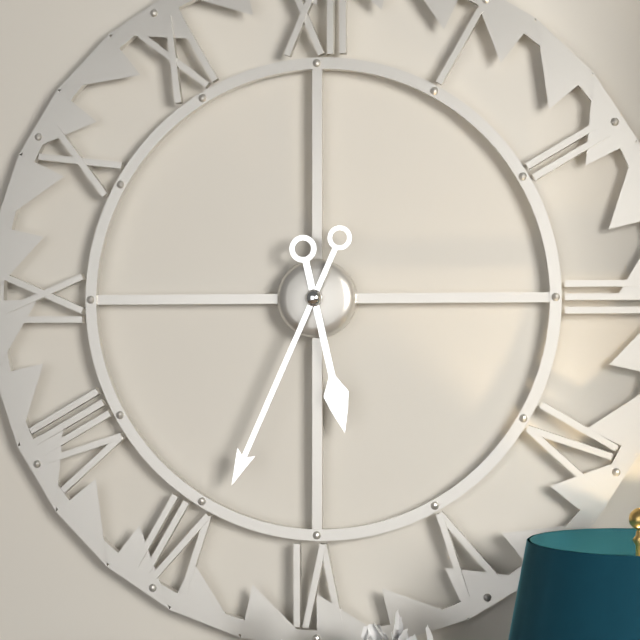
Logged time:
5:34
